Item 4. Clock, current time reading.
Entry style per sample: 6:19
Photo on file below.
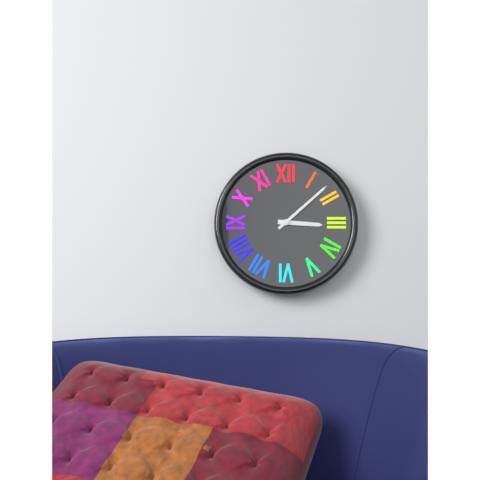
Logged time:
3:08
